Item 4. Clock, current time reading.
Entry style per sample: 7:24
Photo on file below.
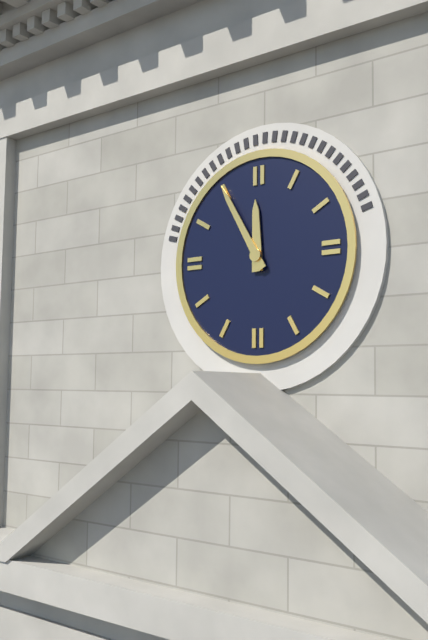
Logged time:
11:55
